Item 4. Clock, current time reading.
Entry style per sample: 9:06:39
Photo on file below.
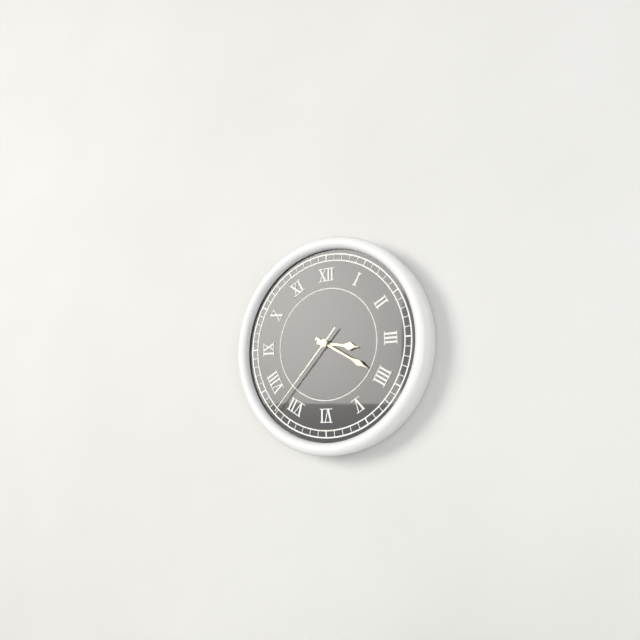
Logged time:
3:20:37
